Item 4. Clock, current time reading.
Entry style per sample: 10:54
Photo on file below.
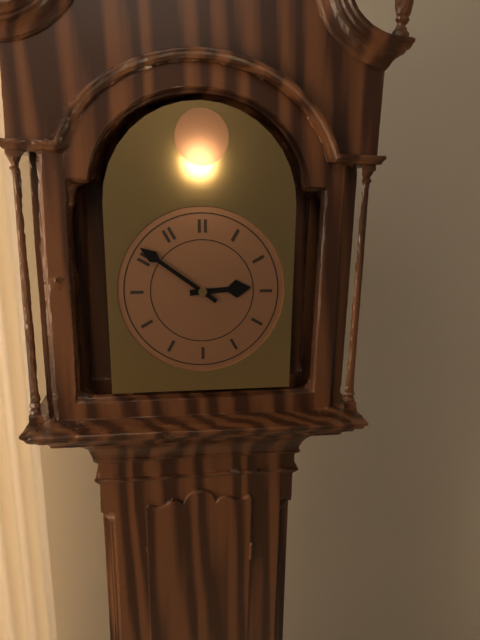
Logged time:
2:51
